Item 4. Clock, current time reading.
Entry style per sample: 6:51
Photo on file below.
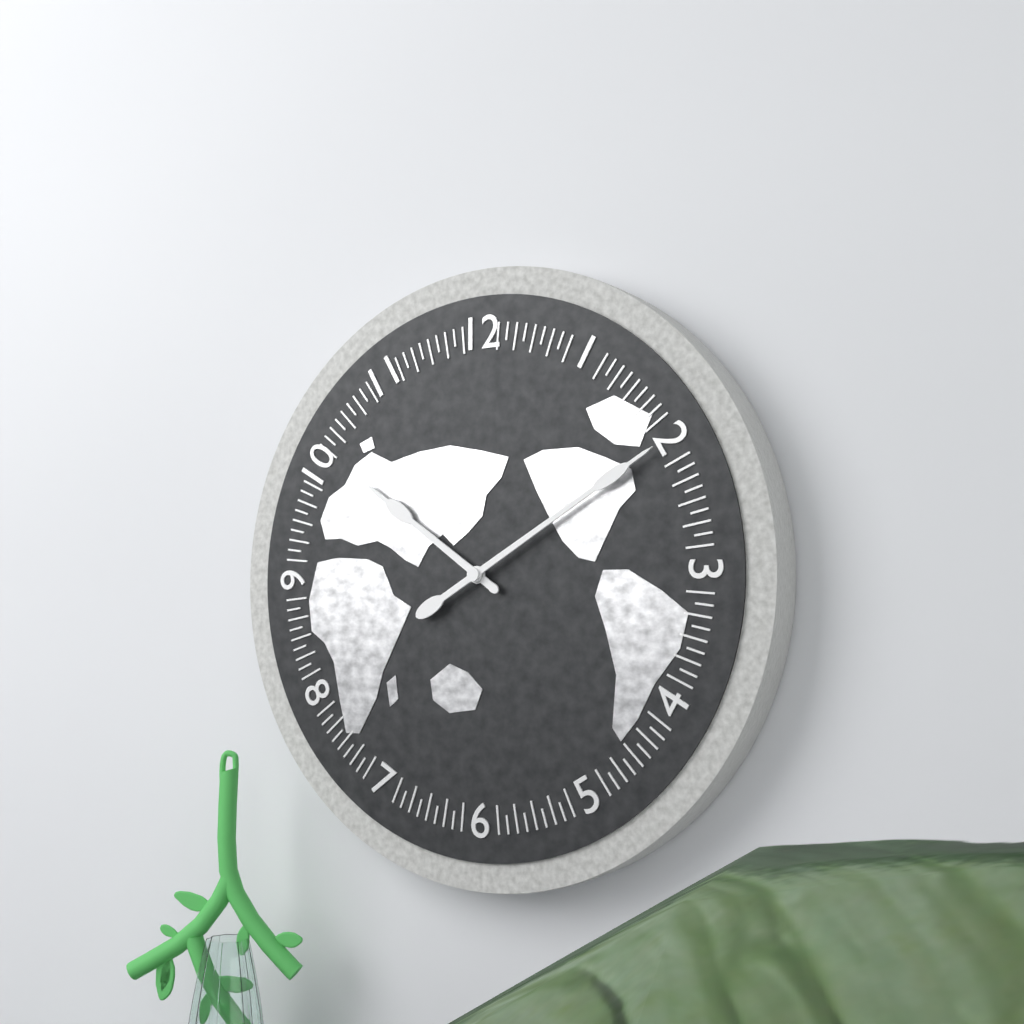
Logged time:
10:10
